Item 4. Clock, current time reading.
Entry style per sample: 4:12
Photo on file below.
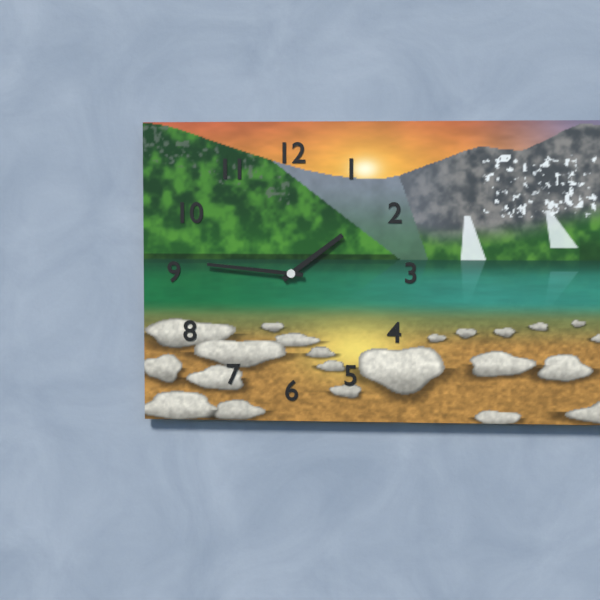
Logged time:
1:46
